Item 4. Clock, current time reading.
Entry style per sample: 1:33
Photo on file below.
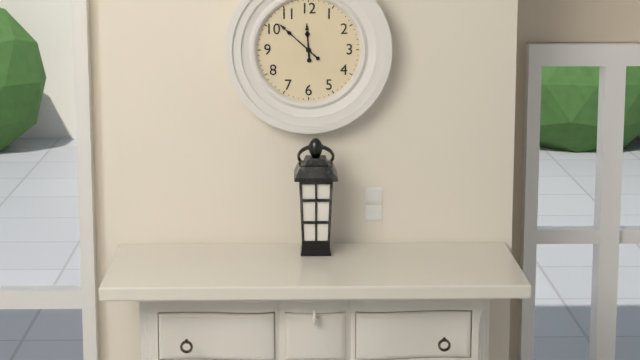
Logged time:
11:52
